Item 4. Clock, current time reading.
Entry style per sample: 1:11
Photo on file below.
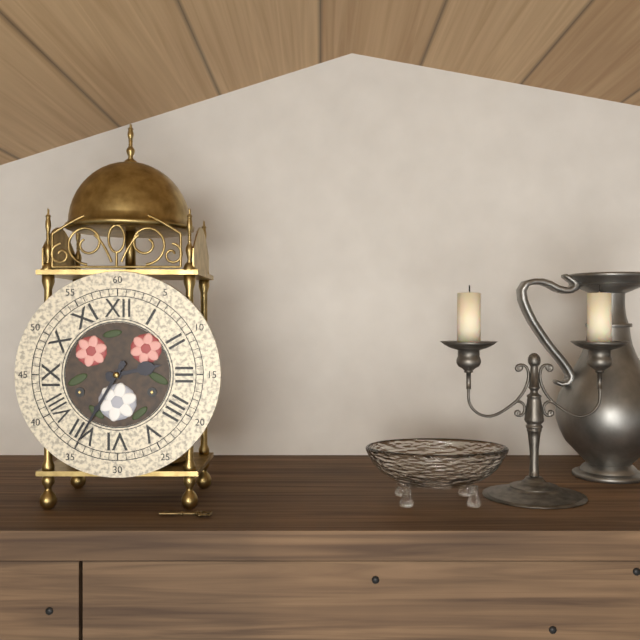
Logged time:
2:35
